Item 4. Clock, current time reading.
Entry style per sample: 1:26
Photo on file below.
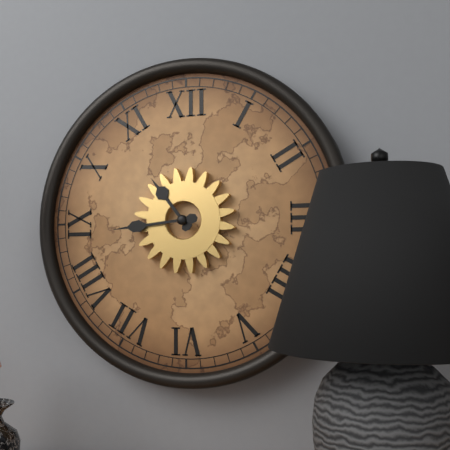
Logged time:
10:44
